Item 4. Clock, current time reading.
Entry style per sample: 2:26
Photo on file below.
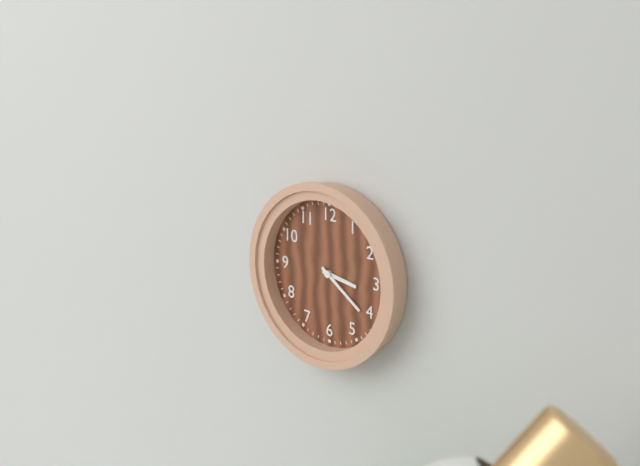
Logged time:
3:21
